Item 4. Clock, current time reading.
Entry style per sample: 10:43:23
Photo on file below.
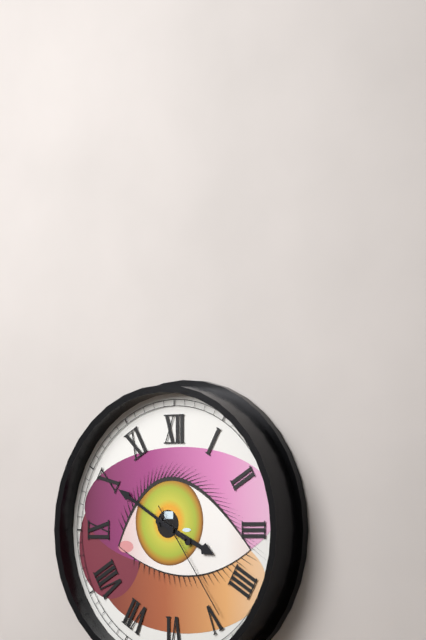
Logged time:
3:50:24
